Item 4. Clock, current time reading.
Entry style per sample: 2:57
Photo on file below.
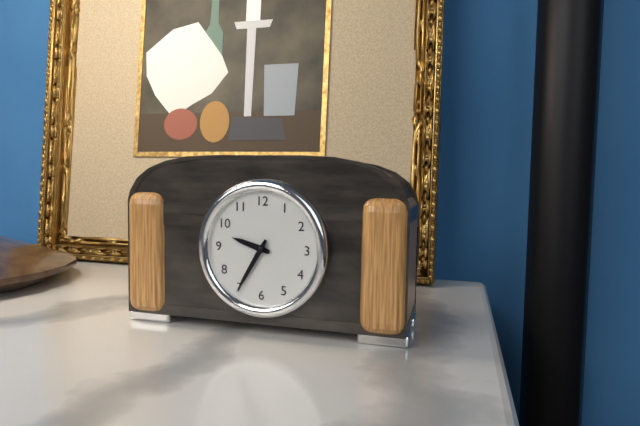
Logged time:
9:35
